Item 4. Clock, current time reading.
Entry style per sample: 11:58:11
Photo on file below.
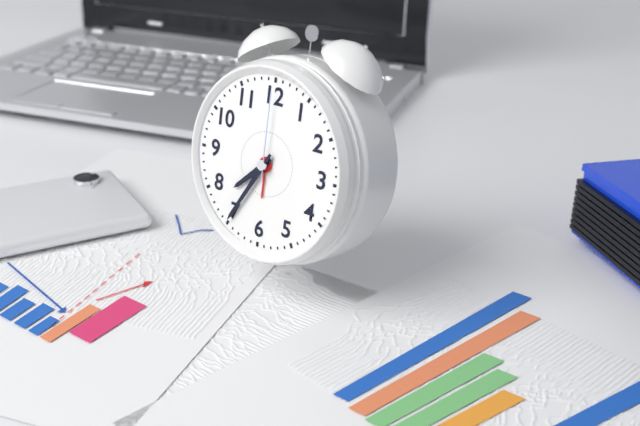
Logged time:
7:35:00
